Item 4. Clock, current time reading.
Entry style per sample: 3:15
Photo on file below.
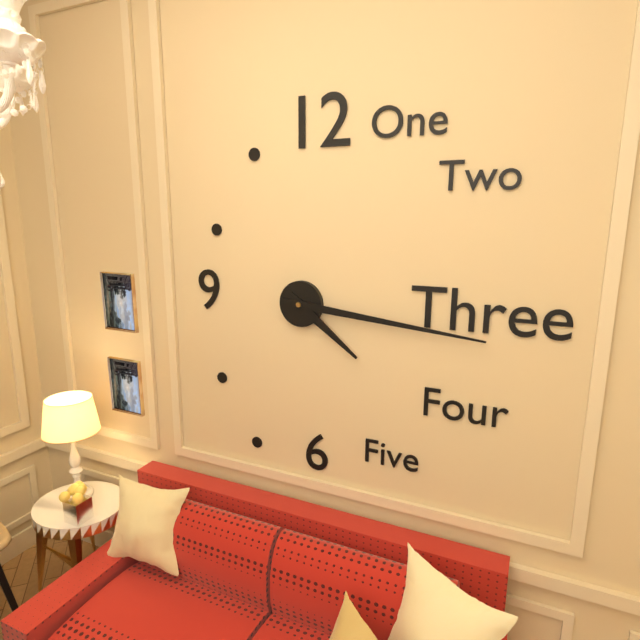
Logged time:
4:16
